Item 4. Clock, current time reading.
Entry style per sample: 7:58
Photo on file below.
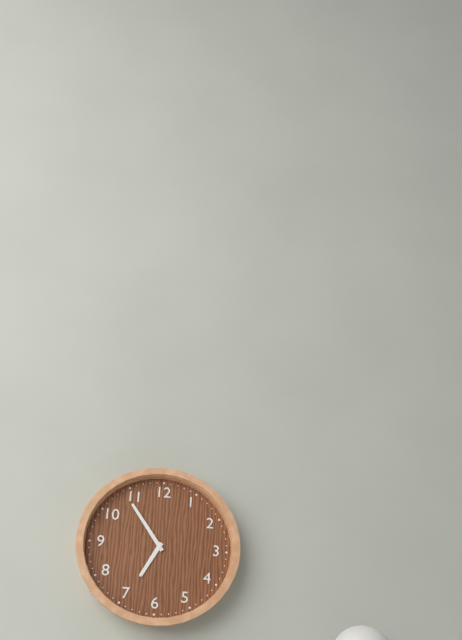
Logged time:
6:54
